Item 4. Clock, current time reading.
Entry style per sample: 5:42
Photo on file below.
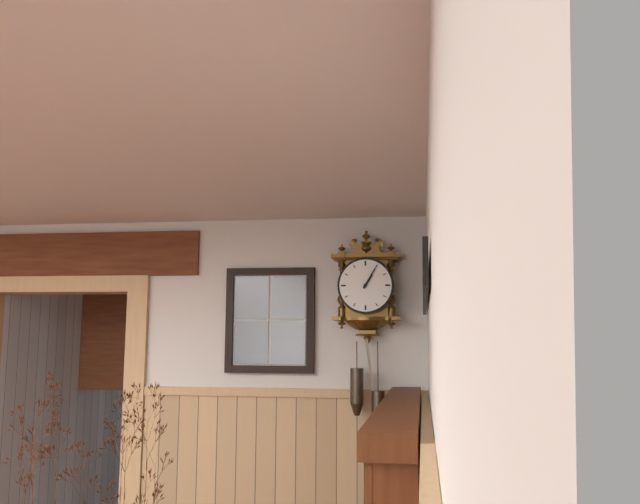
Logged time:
1:05
